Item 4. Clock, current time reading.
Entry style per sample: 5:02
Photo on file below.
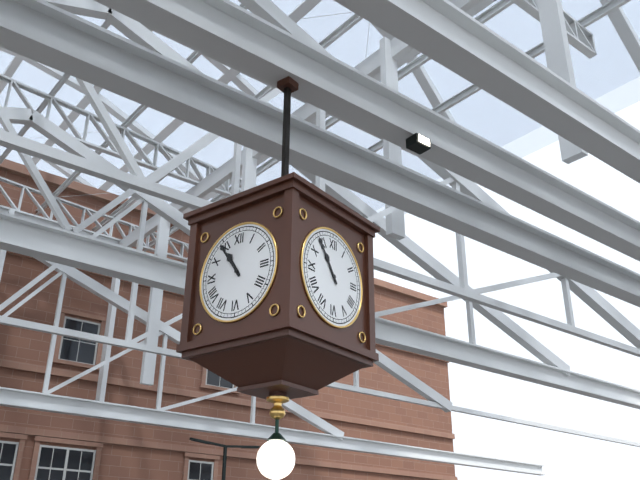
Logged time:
10:54
